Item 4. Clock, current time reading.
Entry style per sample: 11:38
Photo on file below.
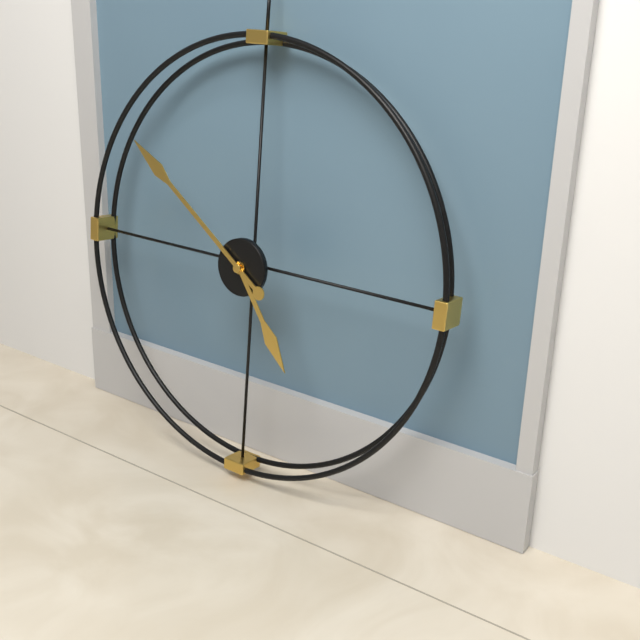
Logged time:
4:51
